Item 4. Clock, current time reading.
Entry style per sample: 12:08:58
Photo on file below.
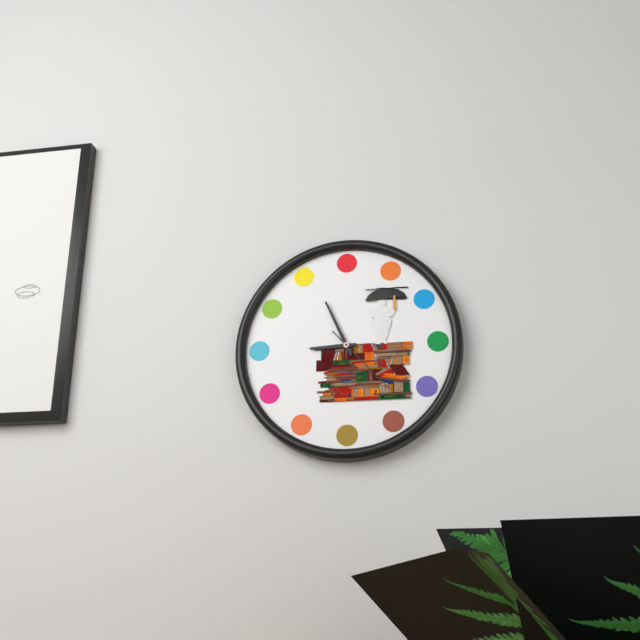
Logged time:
8:56:23
